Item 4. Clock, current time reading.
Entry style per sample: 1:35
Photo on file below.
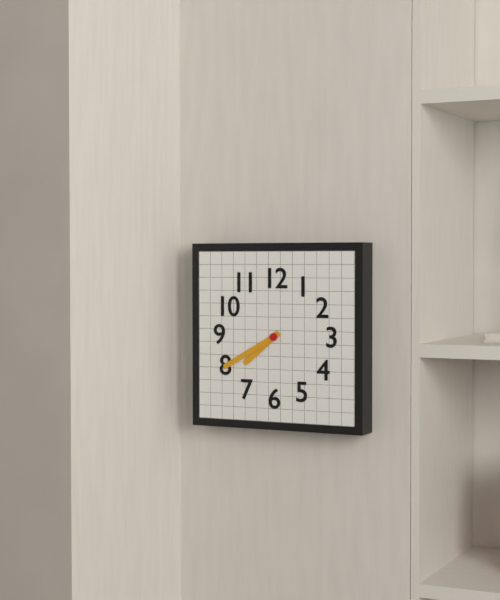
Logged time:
7:40
